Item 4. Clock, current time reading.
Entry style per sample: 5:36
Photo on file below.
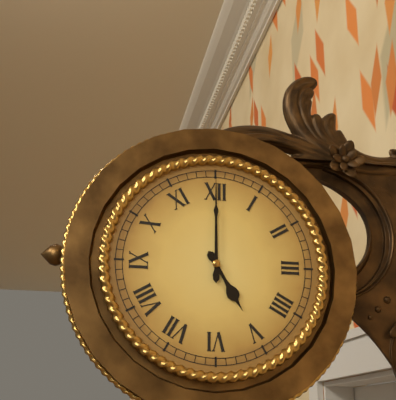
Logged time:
5:00
